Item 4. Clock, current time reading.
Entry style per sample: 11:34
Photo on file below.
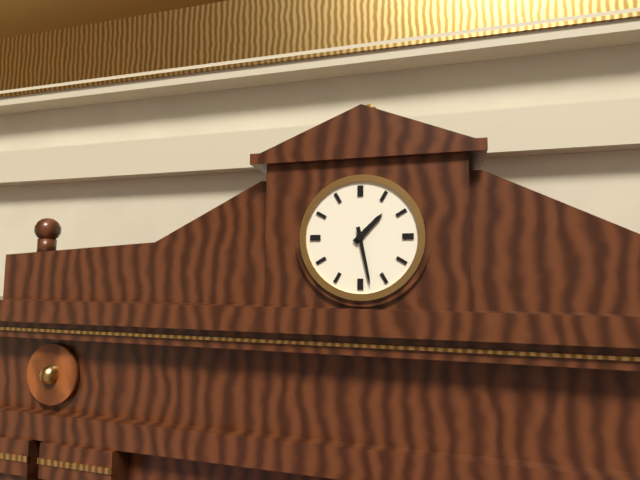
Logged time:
1:28
